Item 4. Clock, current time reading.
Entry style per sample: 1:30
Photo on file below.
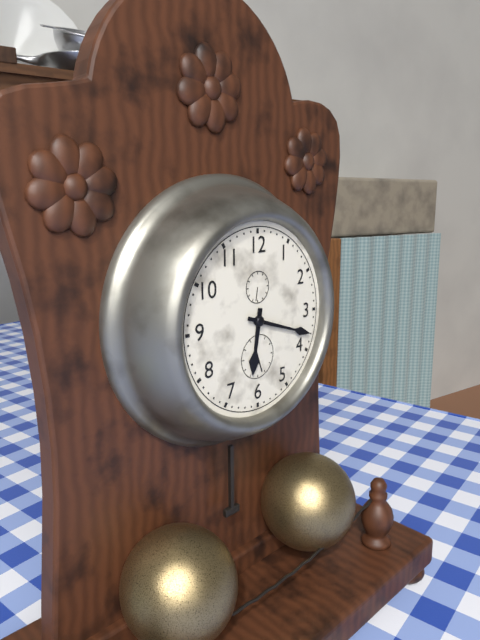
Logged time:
6:18
